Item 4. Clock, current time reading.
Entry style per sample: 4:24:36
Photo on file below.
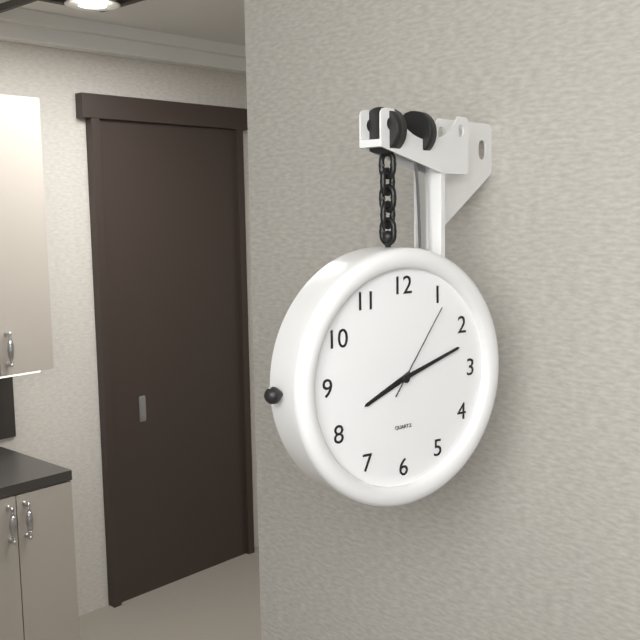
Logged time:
8:12:06
